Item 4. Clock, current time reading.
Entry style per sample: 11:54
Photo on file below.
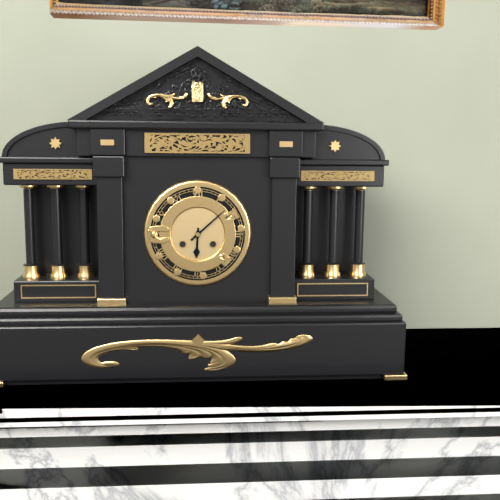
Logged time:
6:08
